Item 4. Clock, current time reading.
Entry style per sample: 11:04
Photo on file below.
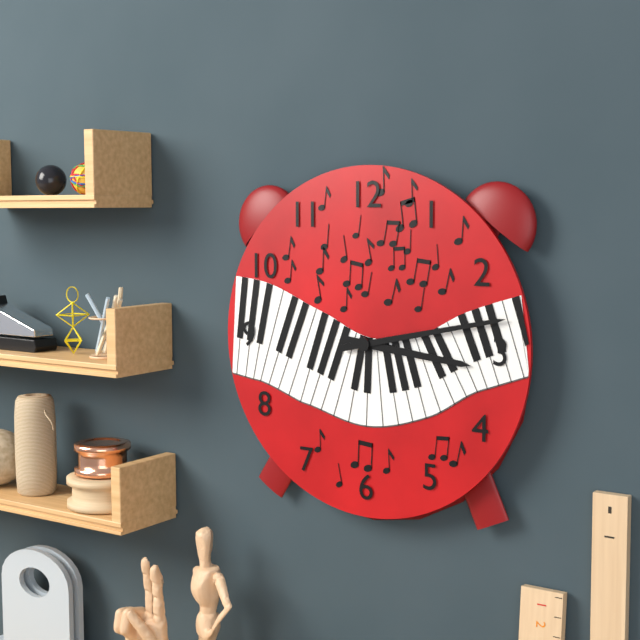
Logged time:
3:13
